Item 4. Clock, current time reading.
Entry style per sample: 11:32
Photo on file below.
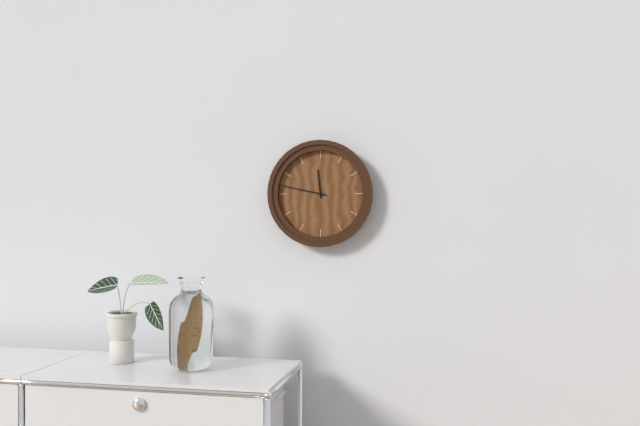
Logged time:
11:47
